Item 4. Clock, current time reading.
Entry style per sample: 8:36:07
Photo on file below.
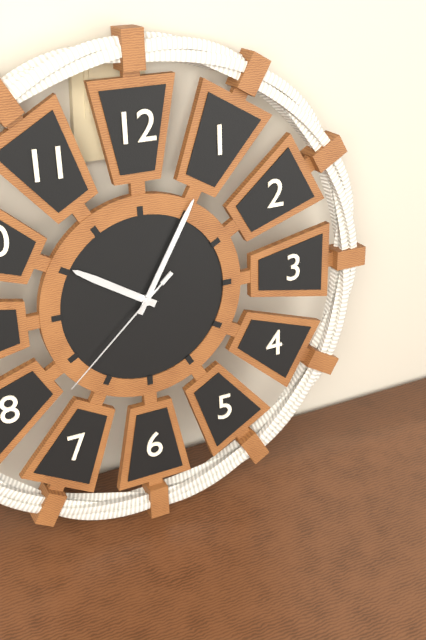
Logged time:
10:05:38
